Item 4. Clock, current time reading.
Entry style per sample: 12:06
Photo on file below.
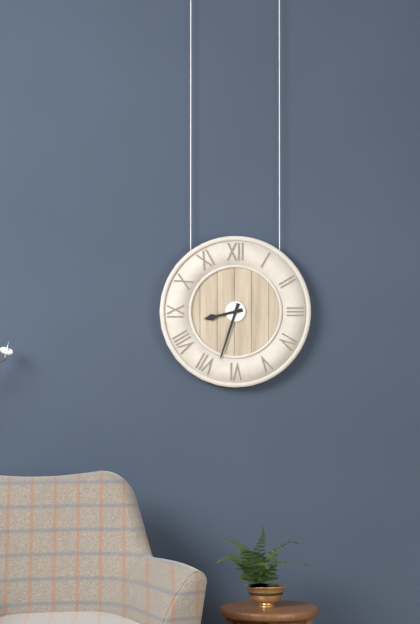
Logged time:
8:33
